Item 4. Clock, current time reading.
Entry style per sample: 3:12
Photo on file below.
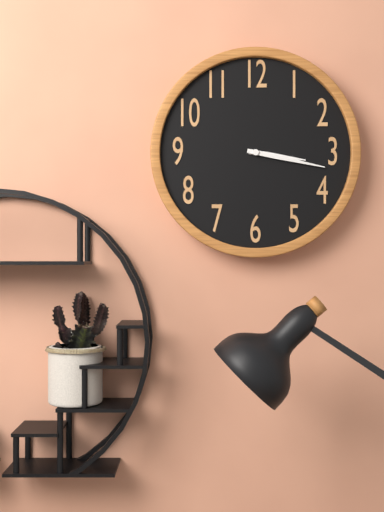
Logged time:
3:17
